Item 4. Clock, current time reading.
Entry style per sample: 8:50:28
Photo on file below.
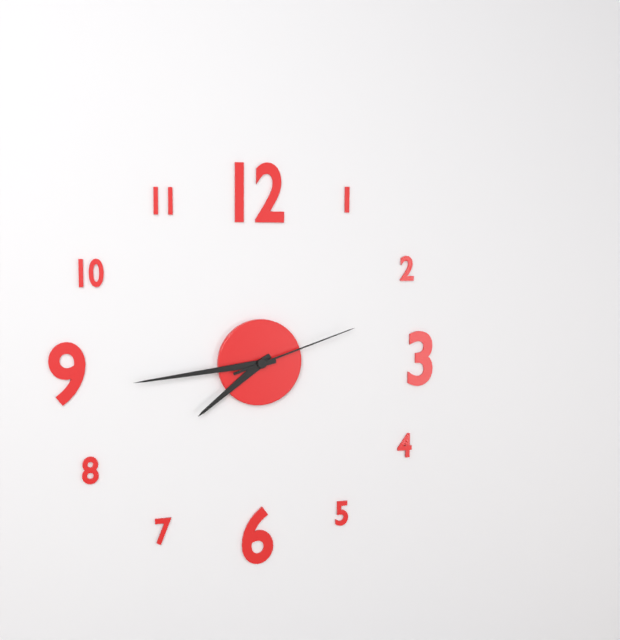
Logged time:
7:44:12
